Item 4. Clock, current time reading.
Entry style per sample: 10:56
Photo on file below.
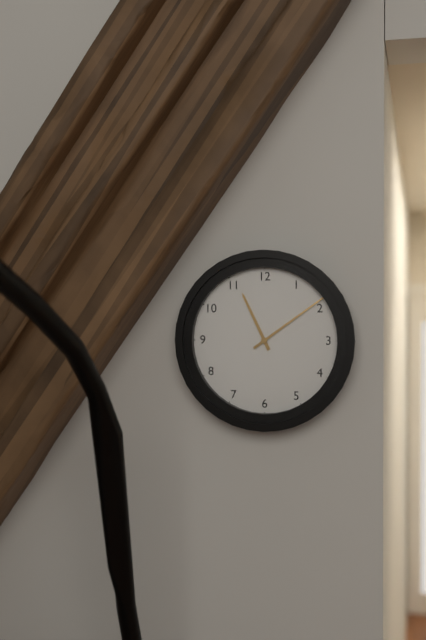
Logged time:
11:09
